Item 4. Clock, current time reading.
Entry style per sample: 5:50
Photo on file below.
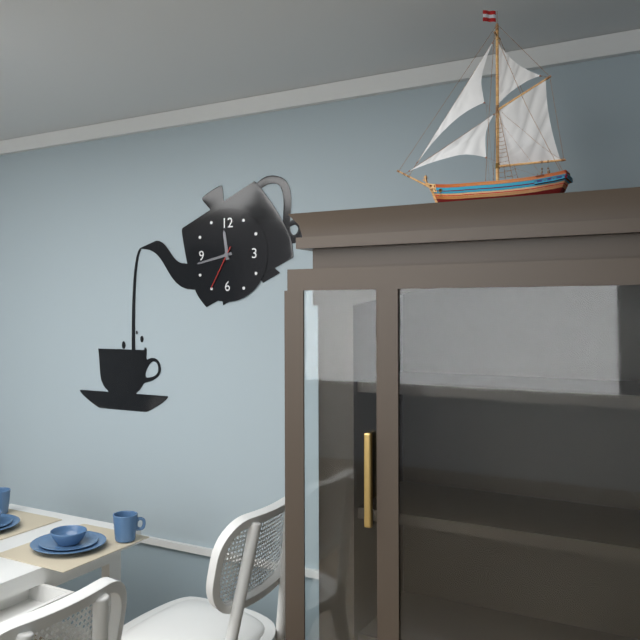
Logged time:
11:43
